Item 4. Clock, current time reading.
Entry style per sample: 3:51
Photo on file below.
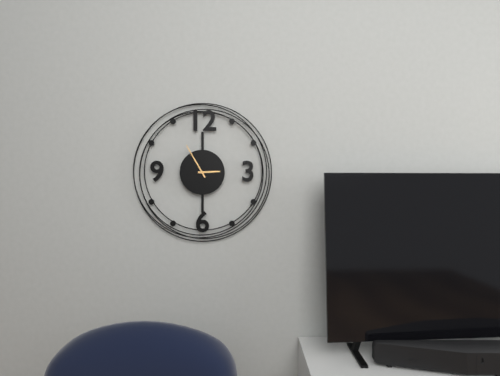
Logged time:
2:55
